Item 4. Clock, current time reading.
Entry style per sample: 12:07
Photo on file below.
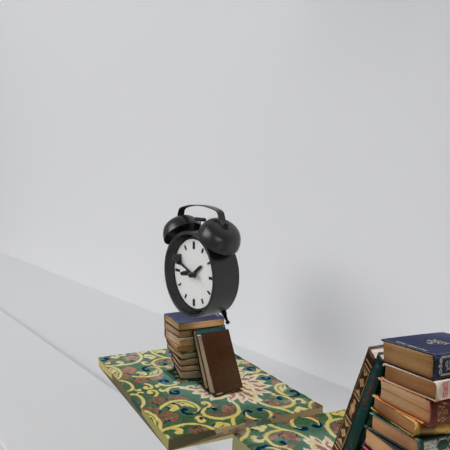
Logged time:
1:49
